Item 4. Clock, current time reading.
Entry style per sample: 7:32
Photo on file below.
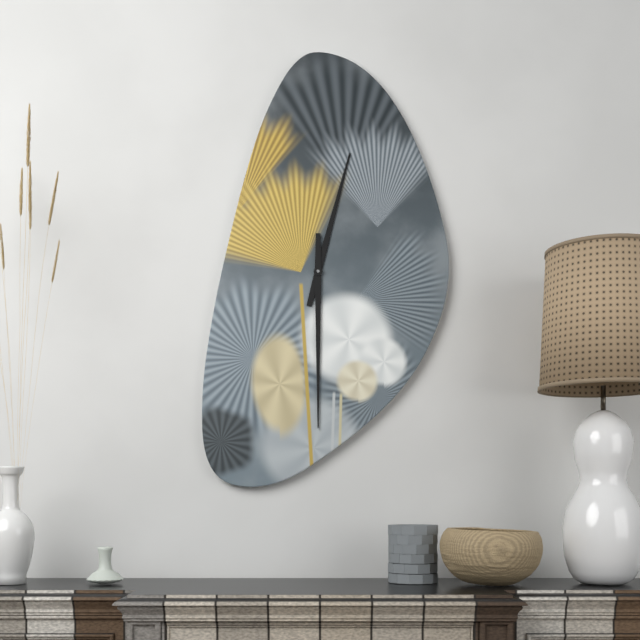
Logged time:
12:30
